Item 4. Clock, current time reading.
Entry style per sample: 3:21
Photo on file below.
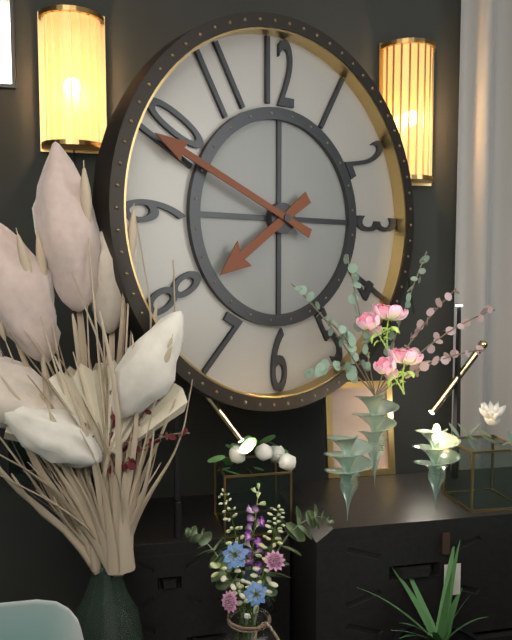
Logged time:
7:49
